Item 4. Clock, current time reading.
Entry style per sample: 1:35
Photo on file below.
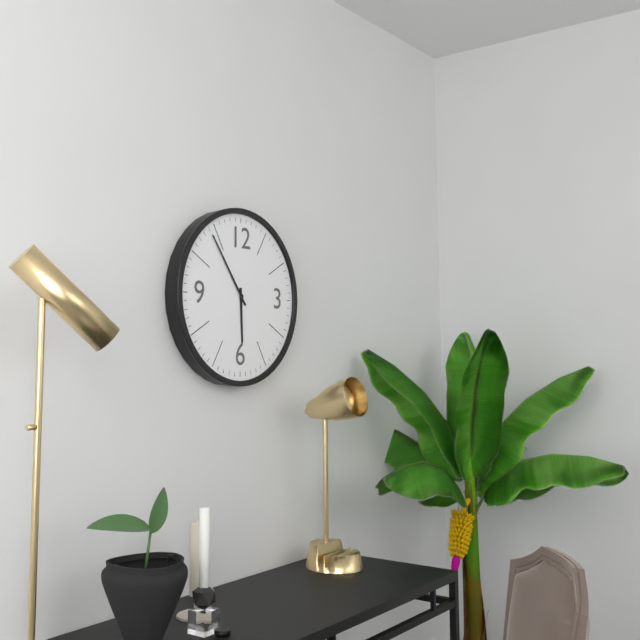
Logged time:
5:54
